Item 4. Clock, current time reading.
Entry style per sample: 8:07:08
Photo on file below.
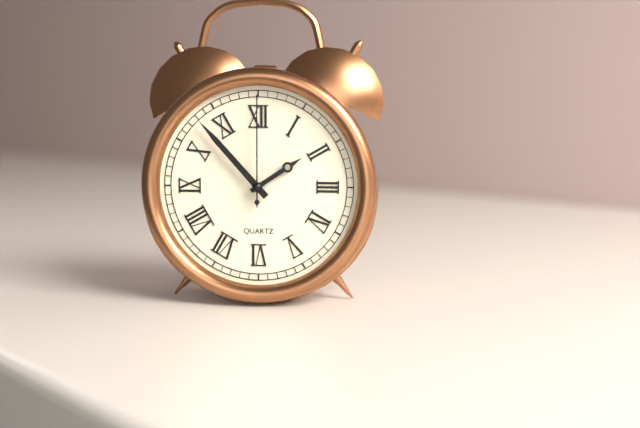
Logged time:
1:53:00
